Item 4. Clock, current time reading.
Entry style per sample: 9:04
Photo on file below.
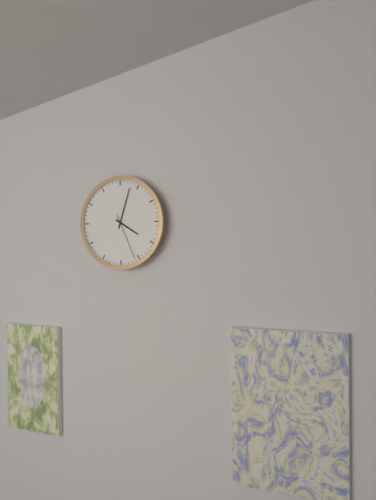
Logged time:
4:03
